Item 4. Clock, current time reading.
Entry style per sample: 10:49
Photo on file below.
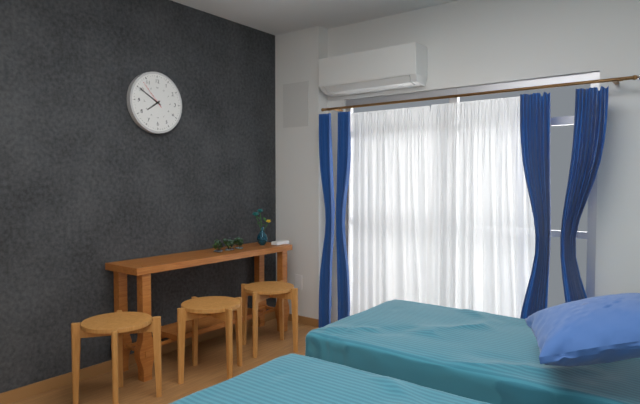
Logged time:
7:50
